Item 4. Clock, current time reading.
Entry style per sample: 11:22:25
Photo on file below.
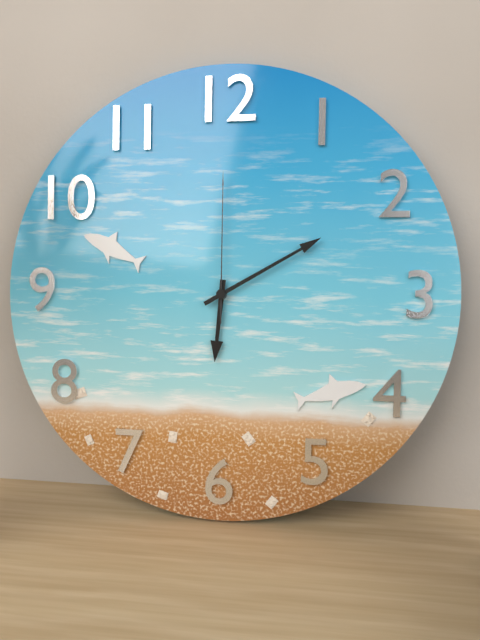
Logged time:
6:10:00
